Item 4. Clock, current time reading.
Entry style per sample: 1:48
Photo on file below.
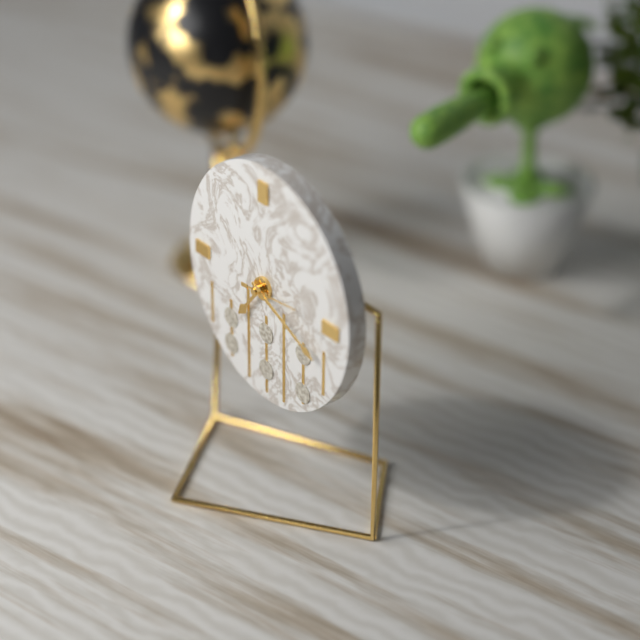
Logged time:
7:19
